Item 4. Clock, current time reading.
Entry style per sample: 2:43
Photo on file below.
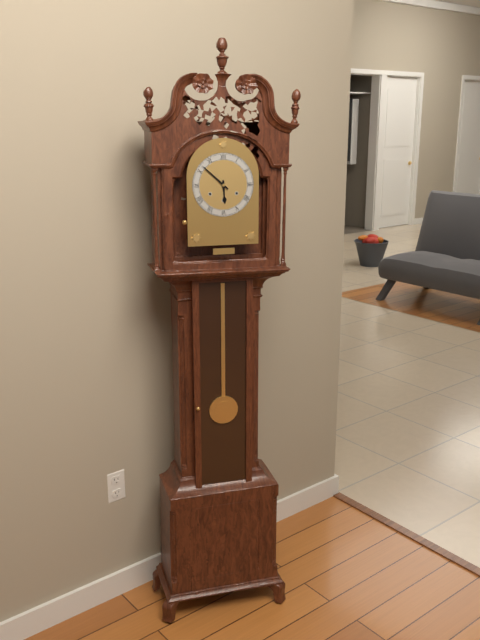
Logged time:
5:52
